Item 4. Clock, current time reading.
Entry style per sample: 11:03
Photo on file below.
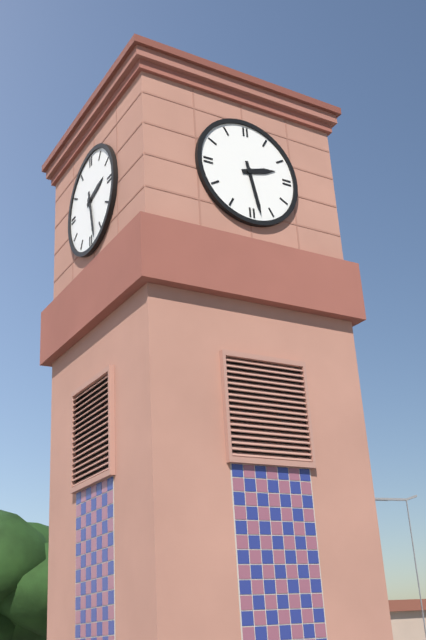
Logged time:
2:28
